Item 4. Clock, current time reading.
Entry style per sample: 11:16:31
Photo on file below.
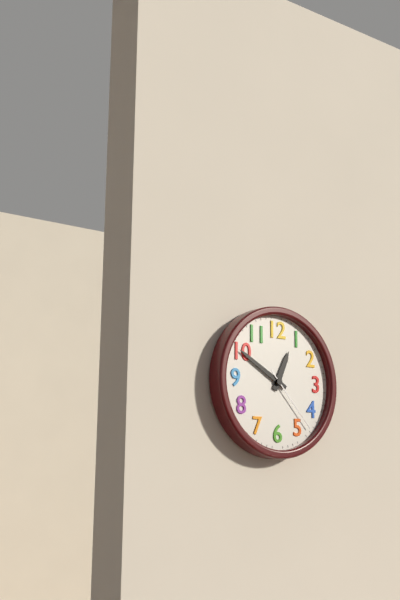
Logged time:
12:50:23
